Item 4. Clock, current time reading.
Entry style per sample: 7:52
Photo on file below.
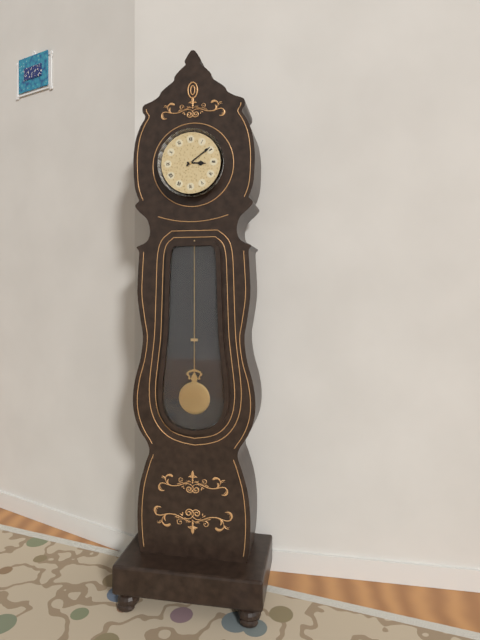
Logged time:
3:09
